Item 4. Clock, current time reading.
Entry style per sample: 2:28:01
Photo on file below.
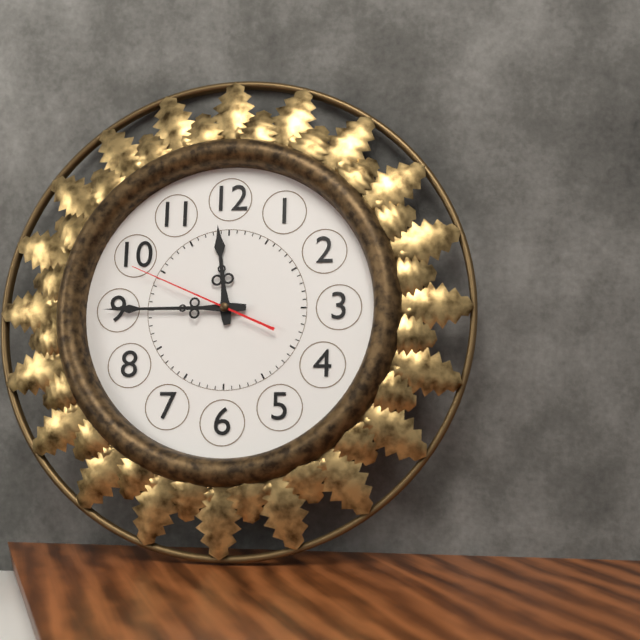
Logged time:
11:45:49
